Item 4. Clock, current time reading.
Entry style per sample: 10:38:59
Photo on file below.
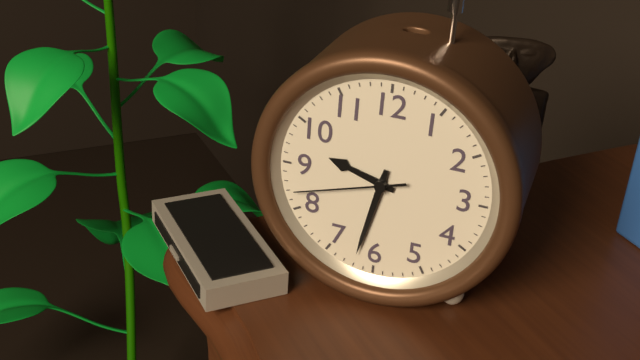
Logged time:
9:32:42
